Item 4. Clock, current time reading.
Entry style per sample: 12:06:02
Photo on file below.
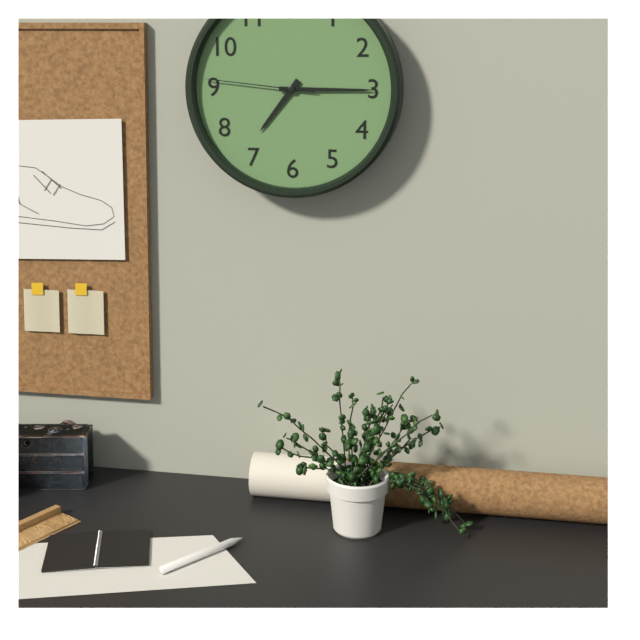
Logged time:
7:15:46
